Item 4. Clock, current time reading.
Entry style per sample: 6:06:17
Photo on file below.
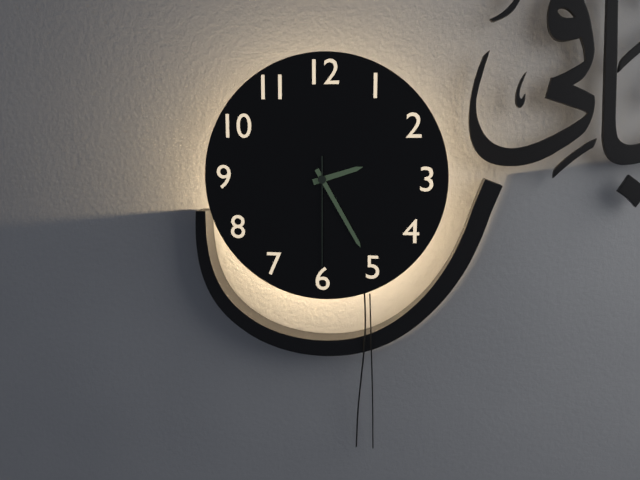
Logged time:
2:25:30
